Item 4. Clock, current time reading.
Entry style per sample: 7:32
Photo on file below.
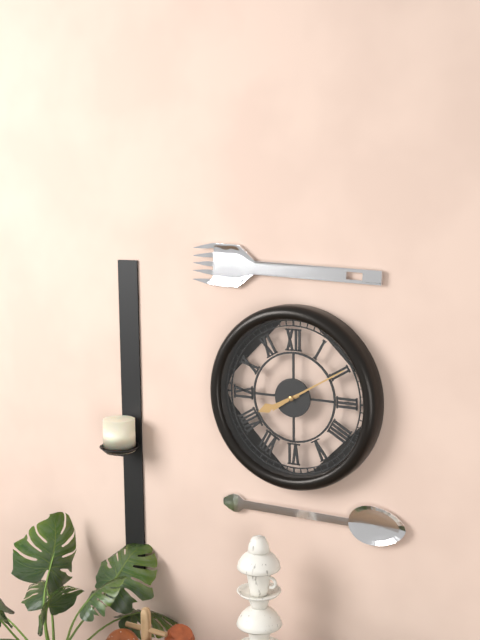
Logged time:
8:10
